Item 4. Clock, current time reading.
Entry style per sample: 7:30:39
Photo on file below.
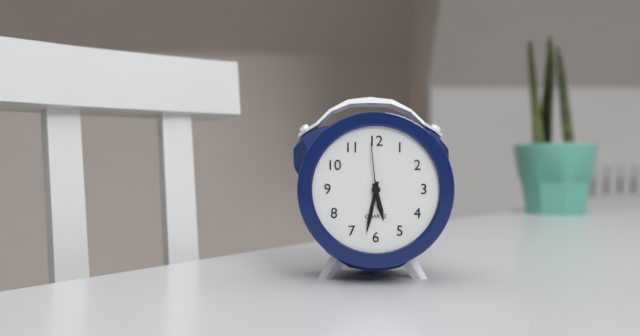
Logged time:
5:32:59
